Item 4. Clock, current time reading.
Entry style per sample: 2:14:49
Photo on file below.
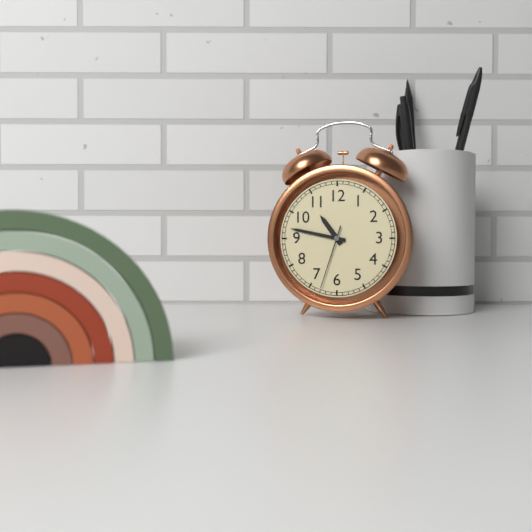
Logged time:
10:47:33
